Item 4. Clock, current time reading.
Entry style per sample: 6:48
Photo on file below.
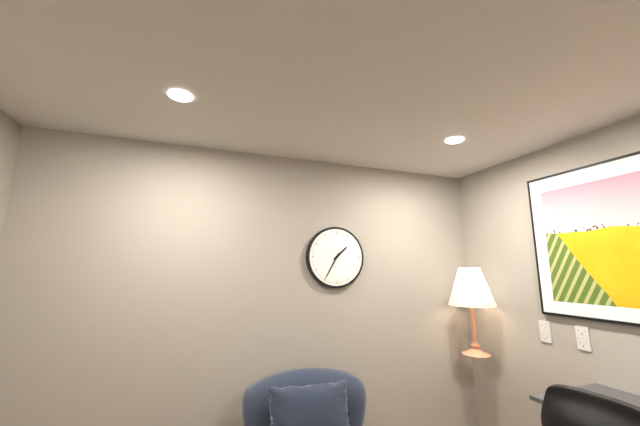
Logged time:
1:35
